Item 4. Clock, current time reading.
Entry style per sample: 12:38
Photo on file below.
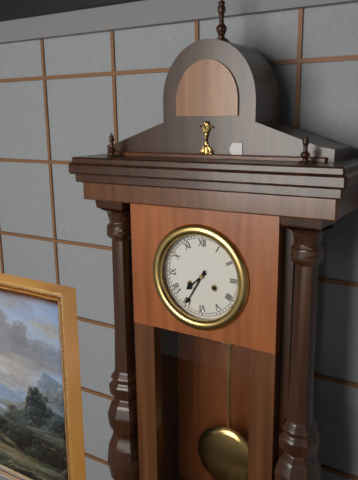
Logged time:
7:35
